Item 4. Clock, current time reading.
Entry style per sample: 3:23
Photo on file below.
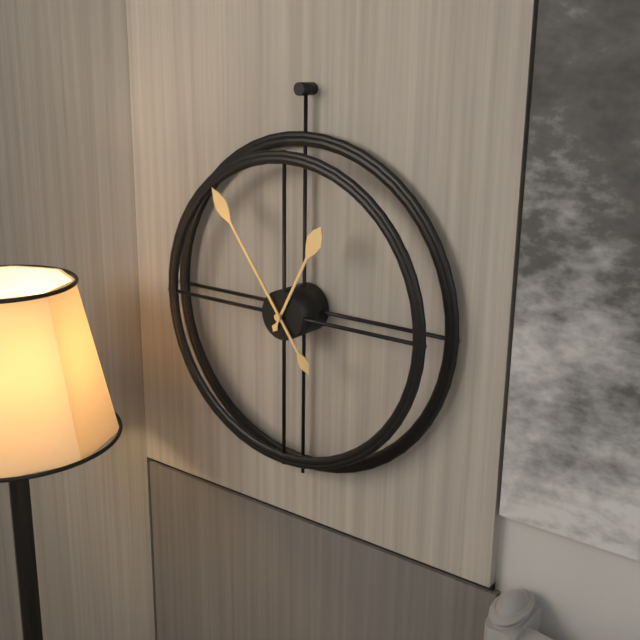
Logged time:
12:54
